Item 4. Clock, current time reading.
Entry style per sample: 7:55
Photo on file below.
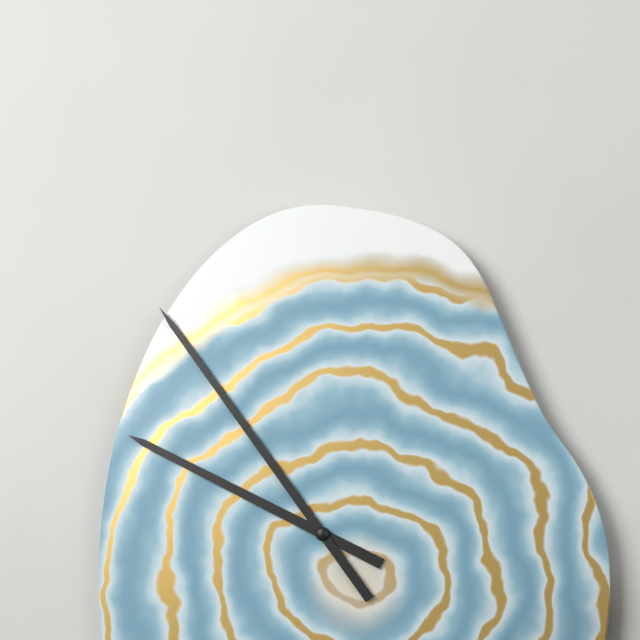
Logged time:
9:54
